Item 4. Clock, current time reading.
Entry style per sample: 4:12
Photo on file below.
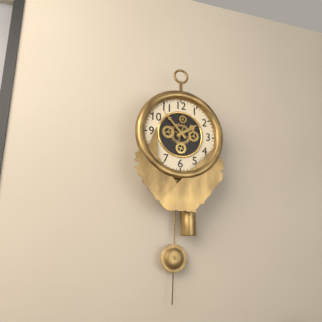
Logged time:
1:53
